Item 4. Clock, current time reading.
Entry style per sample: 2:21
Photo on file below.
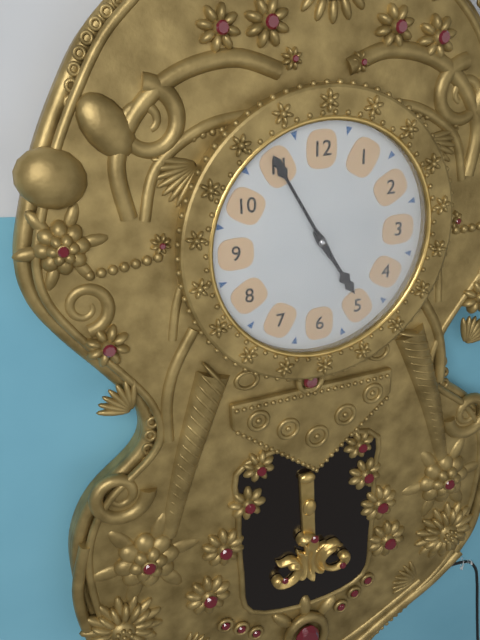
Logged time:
4:55
